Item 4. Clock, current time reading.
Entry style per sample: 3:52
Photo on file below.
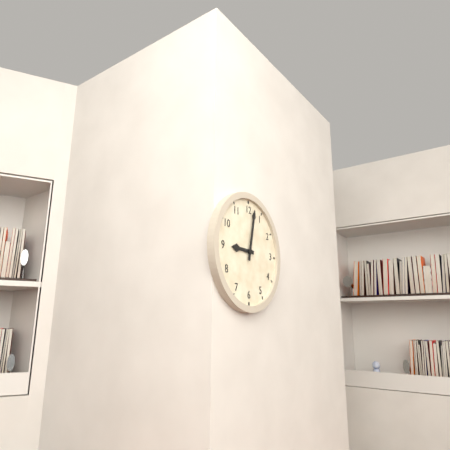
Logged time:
9:02
